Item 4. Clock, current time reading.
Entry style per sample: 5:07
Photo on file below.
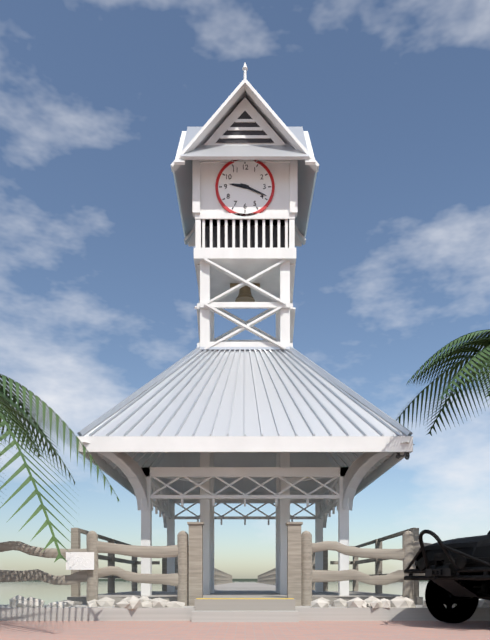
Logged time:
9:19
